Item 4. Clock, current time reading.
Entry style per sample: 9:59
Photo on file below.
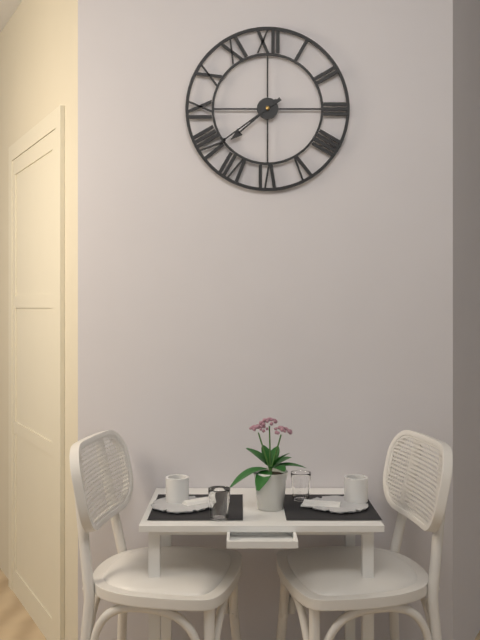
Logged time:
7:39
